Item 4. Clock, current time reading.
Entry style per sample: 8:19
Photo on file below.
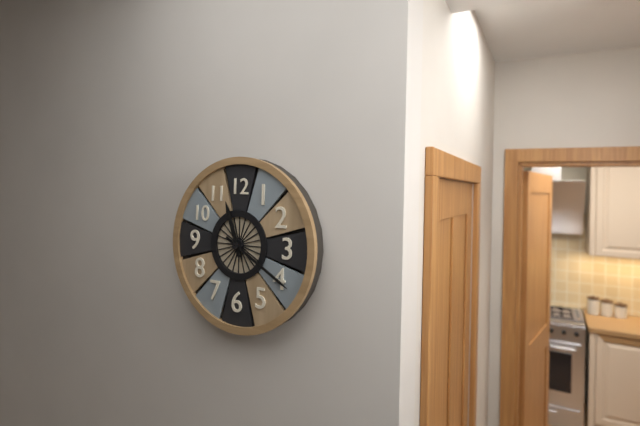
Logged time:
11:20
